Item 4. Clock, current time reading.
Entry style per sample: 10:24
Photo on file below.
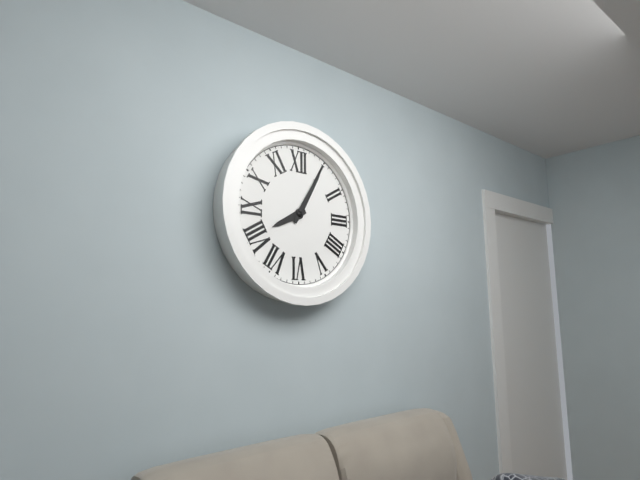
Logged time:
8:05
